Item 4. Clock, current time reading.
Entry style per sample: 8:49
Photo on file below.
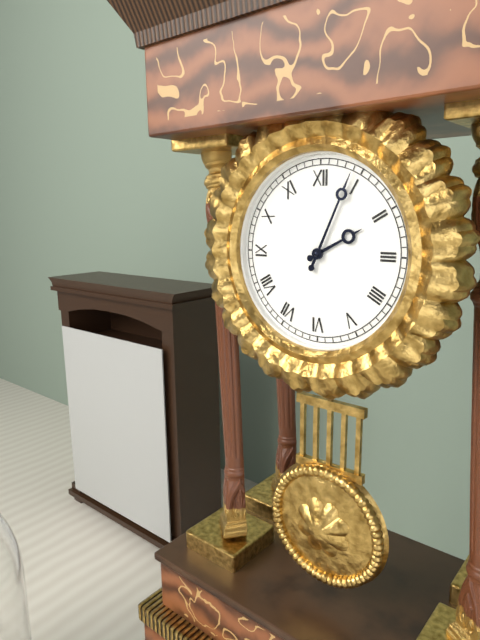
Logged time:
2:04
